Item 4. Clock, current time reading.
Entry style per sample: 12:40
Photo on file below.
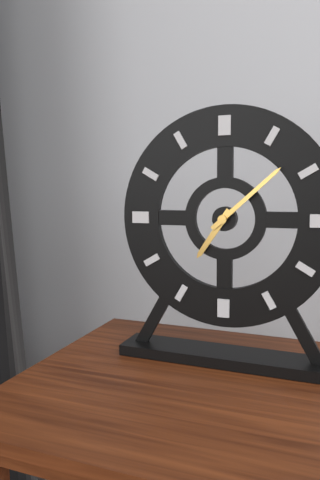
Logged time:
7:08
